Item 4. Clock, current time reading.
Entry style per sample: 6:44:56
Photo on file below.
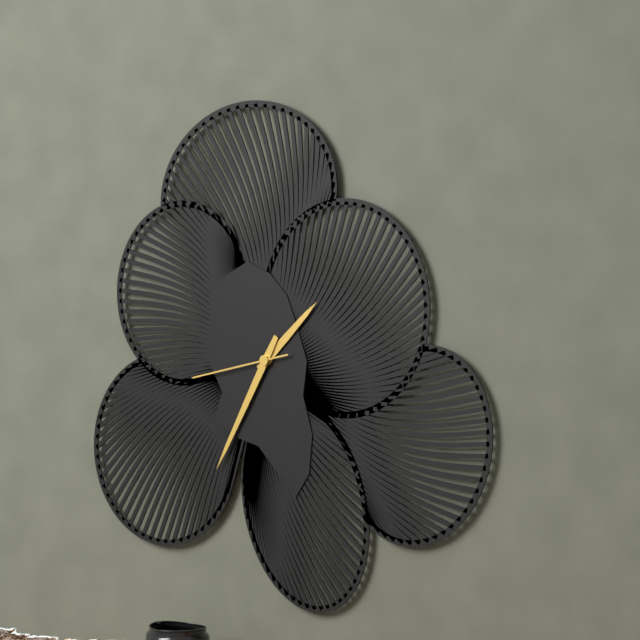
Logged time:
1:35:43
